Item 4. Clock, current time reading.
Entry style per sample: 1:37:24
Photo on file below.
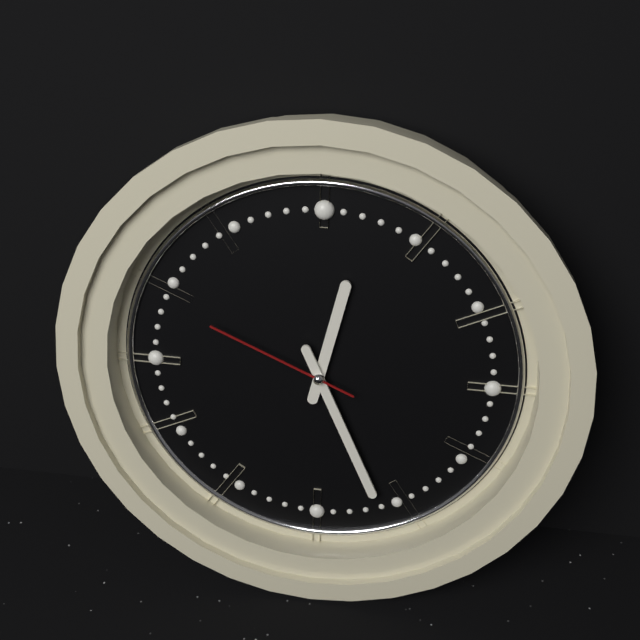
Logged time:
12:26:49
